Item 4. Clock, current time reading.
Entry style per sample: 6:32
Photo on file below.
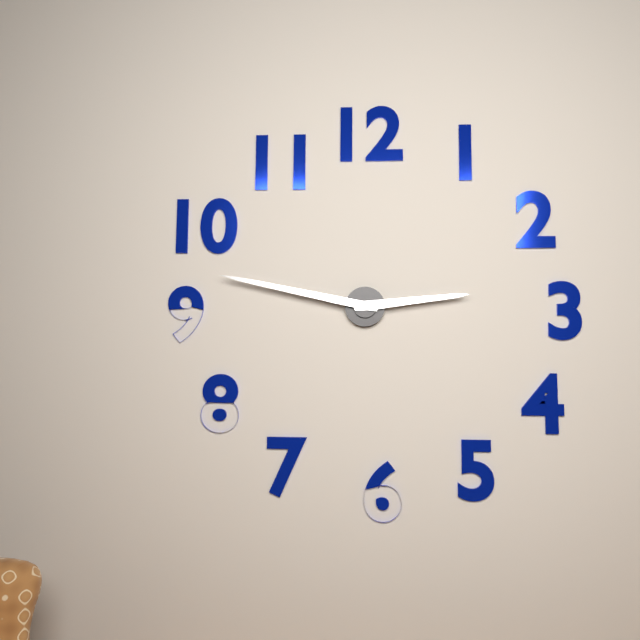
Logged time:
2:47
